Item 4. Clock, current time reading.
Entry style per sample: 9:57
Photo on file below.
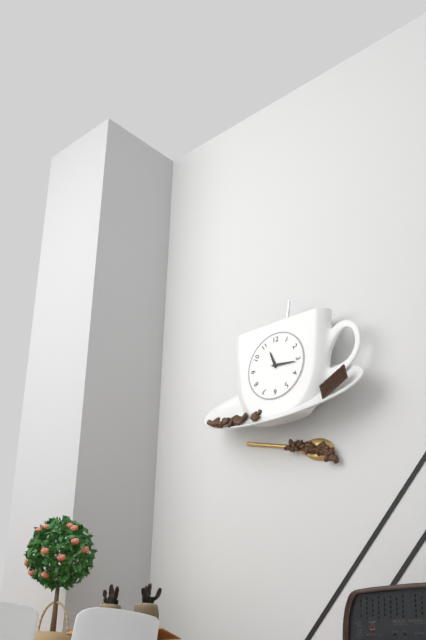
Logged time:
11:16
